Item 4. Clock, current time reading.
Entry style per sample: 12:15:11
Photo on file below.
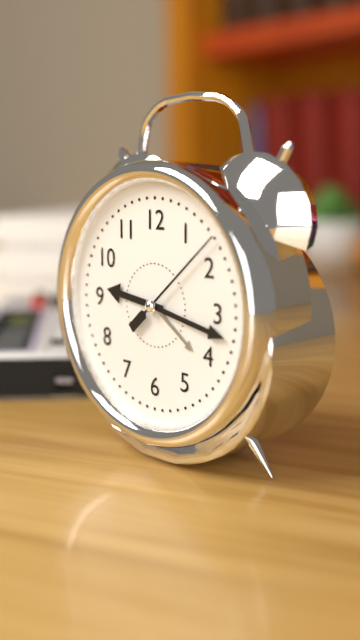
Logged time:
9:17:08
